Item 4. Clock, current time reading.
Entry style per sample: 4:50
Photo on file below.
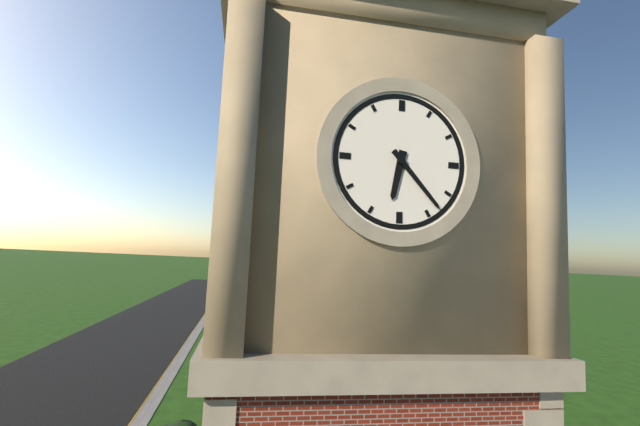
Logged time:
6:23
